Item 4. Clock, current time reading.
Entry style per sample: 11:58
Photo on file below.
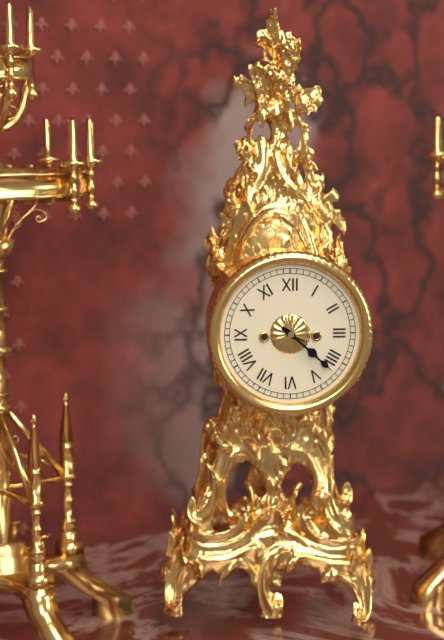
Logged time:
4:22
